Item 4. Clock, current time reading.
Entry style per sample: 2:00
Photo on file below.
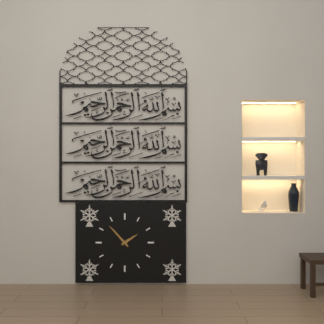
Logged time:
1:53
